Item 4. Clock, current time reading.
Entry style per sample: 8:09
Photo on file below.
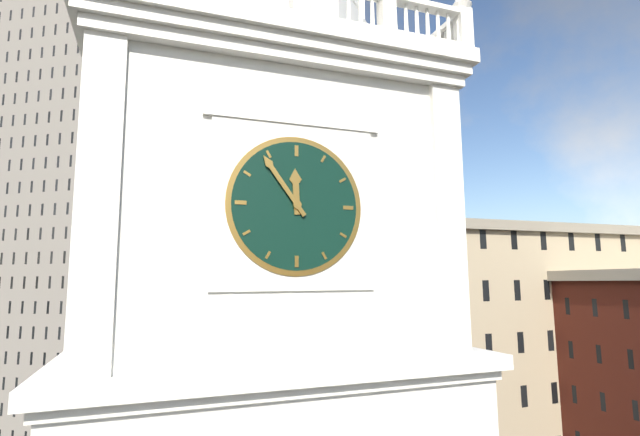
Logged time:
11:54
